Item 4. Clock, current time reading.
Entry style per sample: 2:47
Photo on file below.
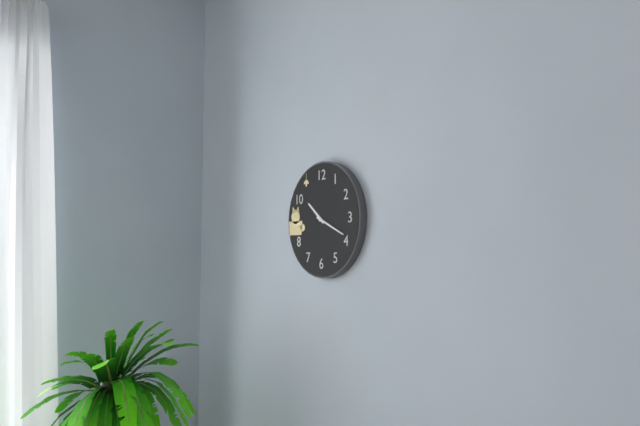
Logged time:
10:19
